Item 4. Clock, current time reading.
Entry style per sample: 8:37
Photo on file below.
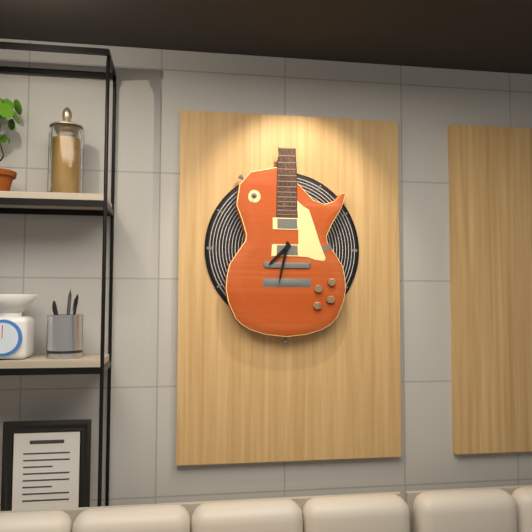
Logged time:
7:32
